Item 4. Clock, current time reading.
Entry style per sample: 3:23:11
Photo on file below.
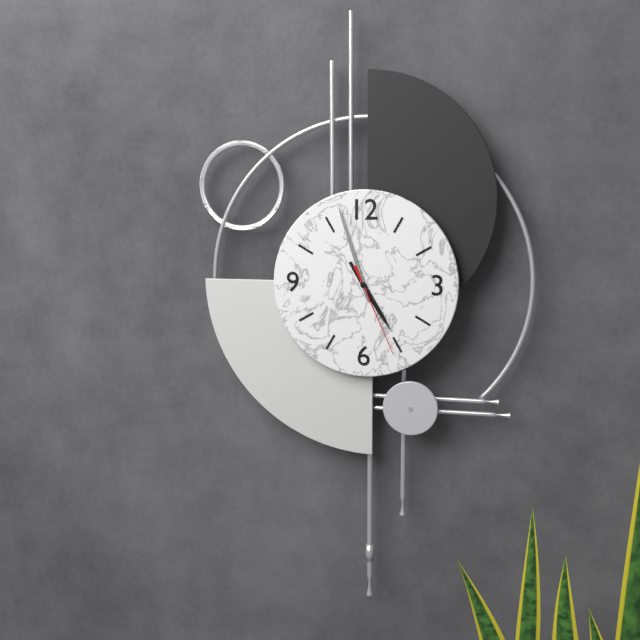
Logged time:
4:57:26
